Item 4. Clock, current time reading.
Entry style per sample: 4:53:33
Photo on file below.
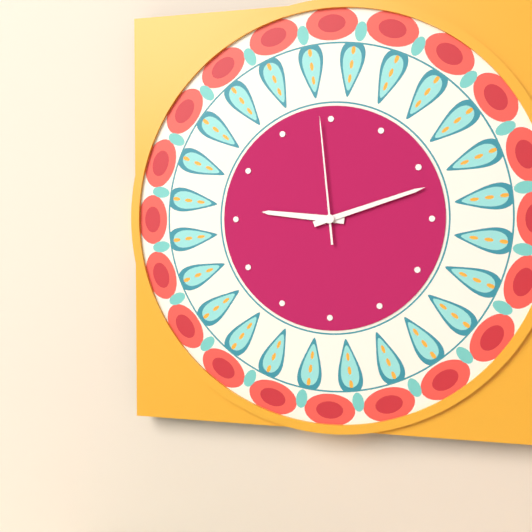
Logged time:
9:12:59
